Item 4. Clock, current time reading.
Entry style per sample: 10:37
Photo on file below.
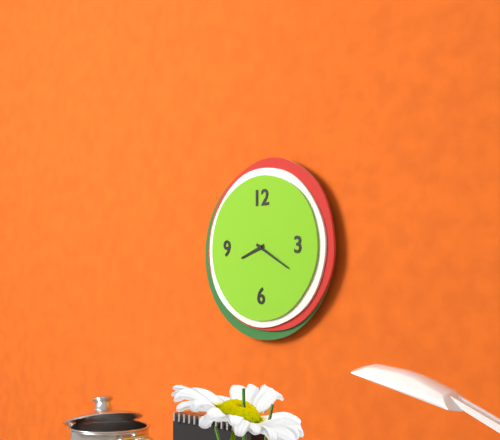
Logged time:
8:20
